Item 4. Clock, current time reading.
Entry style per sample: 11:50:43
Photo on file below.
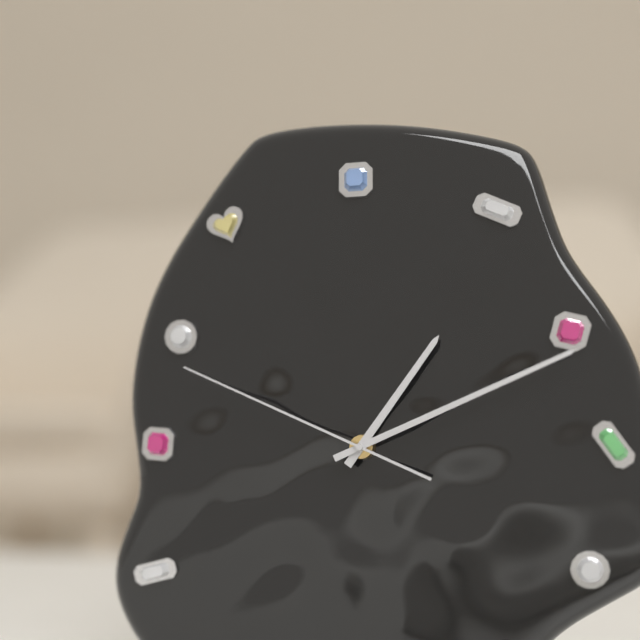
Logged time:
1:11:49
